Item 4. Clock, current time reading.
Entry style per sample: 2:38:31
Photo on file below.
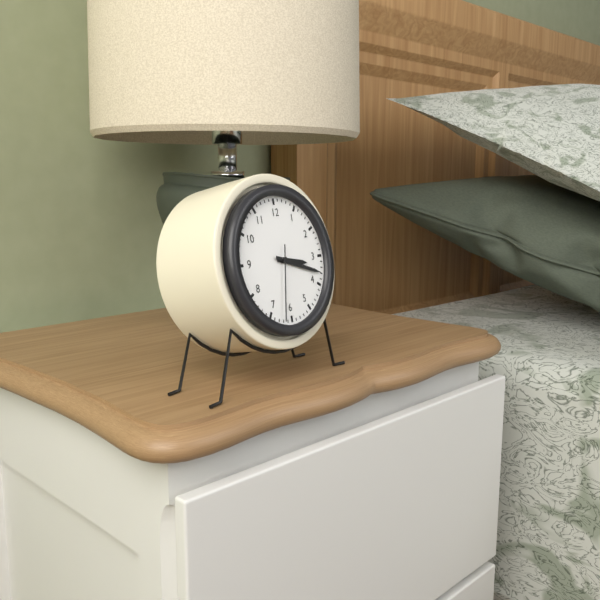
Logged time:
3:18:32
